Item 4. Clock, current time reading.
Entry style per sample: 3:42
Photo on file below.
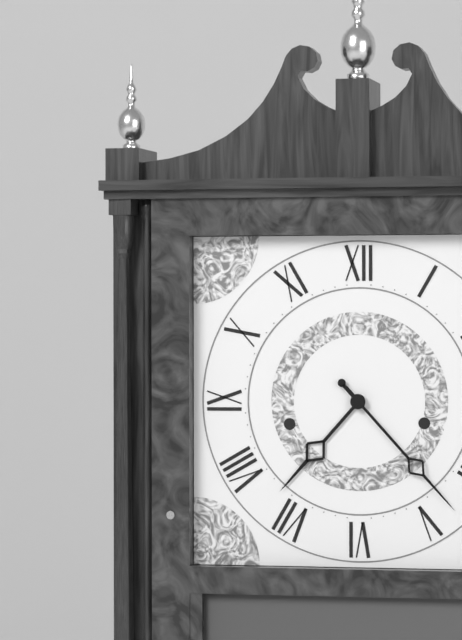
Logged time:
7:23
